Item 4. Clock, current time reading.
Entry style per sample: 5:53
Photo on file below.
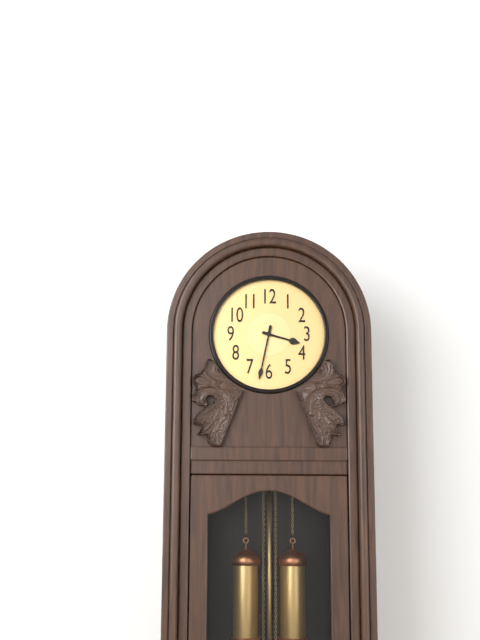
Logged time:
3:32
